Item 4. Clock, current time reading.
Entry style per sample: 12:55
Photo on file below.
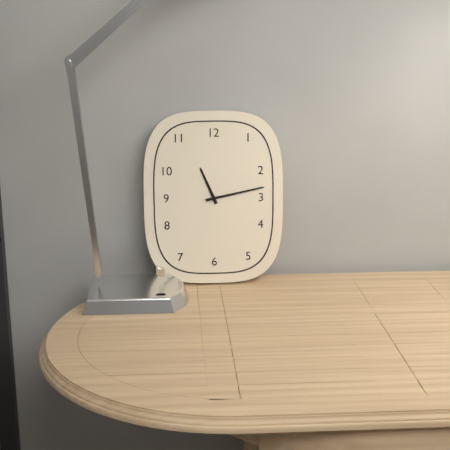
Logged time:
11:13
